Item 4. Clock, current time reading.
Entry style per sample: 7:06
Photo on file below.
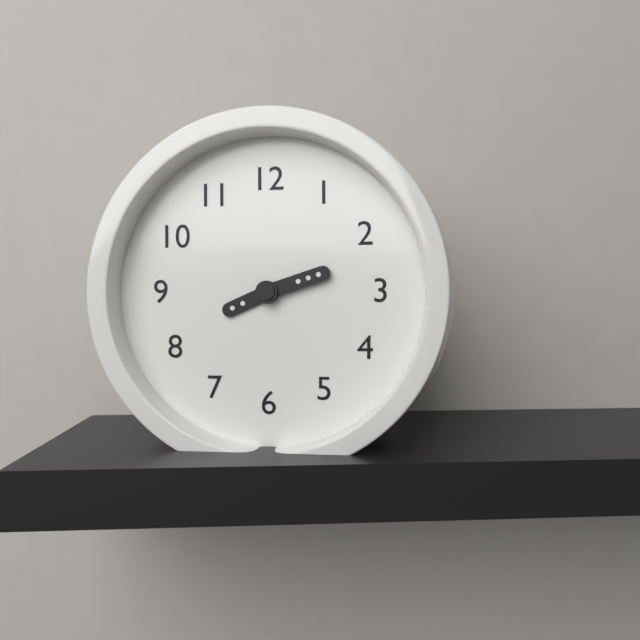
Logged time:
8:12
